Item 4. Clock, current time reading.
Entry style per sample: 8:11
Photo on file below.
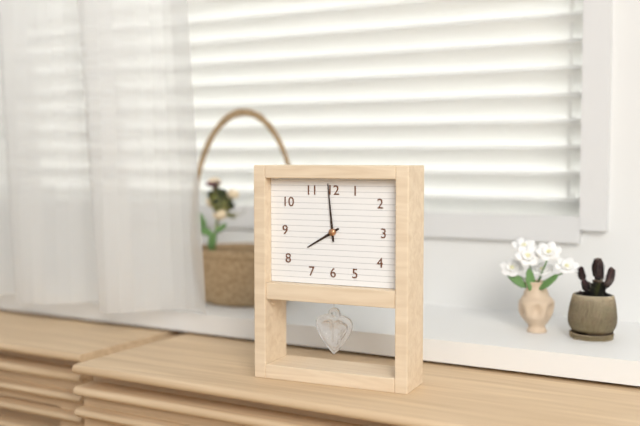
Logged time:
7:59
